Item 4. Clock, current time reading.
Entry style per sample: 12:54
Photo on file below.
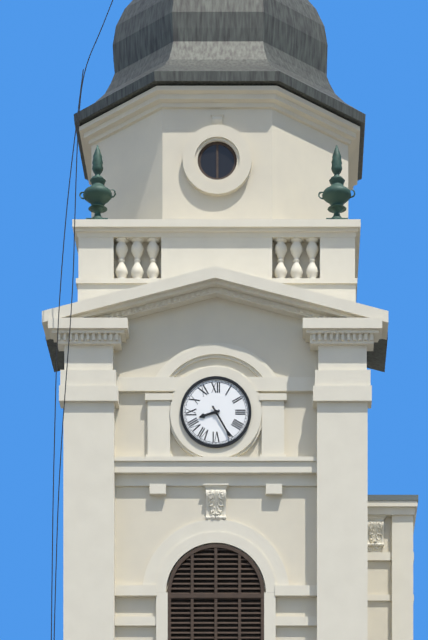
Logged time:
8:25
